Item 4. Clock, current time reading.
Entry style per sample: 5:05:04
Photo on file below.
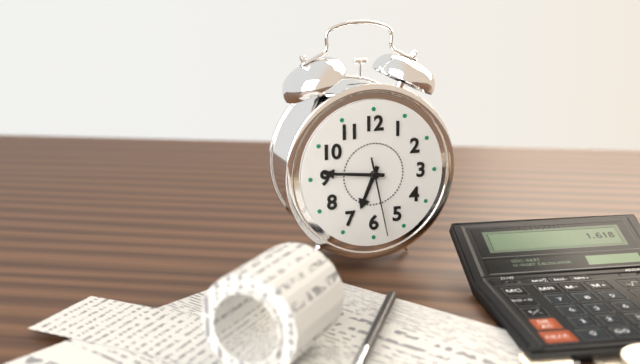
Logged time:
6:46:28
